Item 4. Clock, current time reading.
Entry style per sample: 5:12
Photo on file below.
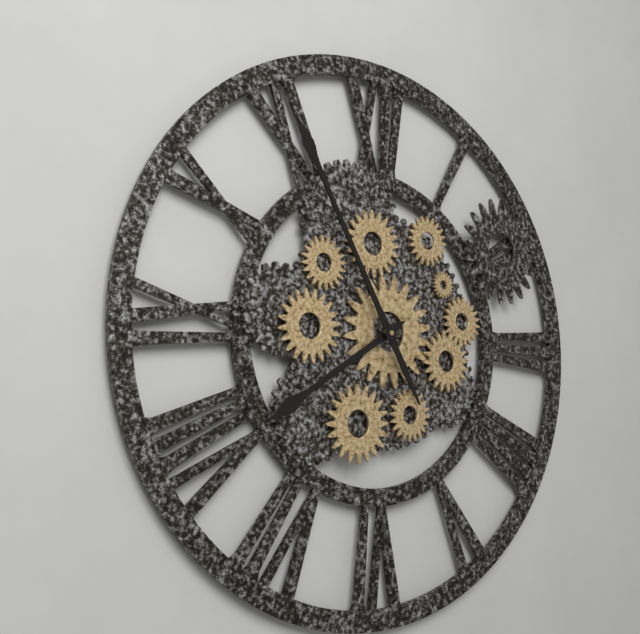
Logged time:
7:55
